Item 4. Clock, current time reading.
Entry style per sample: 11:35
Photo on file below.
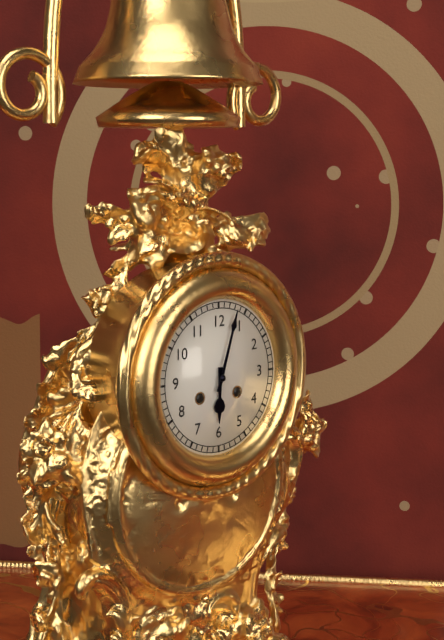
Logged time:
6:03
